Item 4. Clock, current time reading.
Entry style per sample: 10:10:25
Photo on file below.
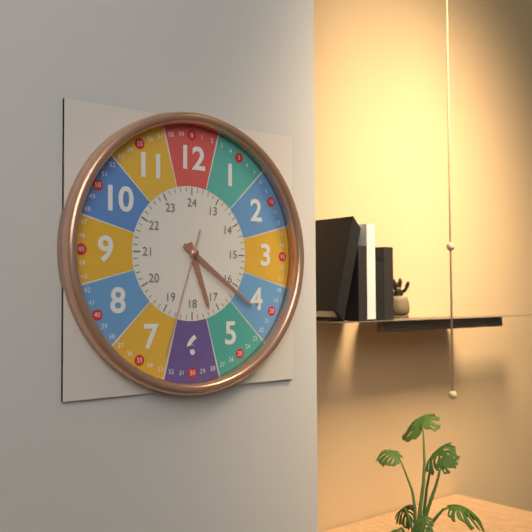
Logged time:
5:21:33
